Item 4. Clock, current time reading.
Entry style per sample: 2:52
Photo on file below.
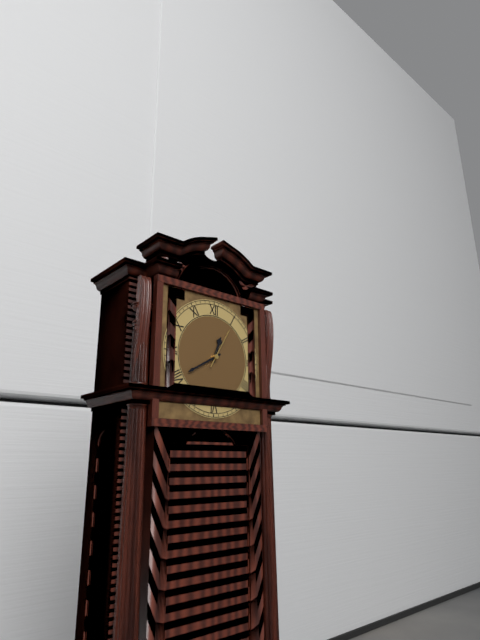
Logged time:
12:40
